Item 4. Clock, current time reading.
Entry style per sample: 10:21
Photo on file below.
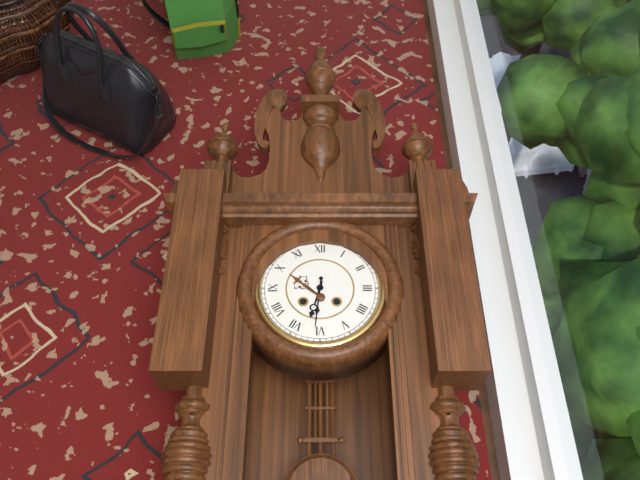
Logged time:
6:31
